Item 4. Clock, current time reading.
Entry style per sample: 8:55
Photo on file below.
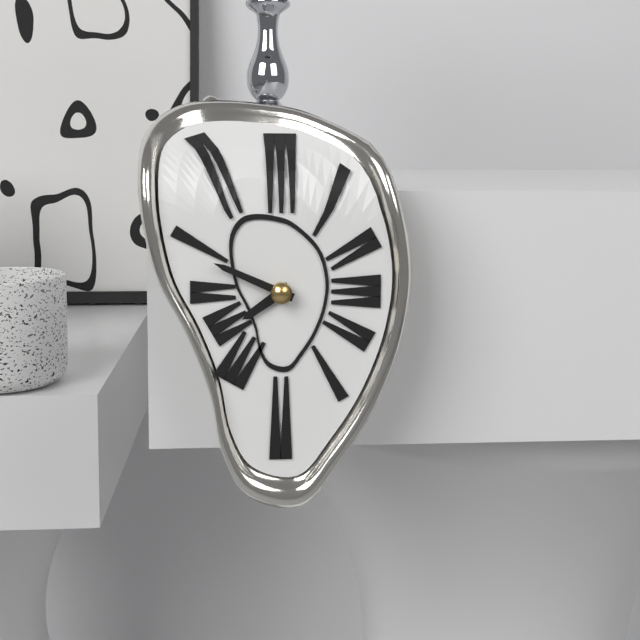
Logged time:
7:49
